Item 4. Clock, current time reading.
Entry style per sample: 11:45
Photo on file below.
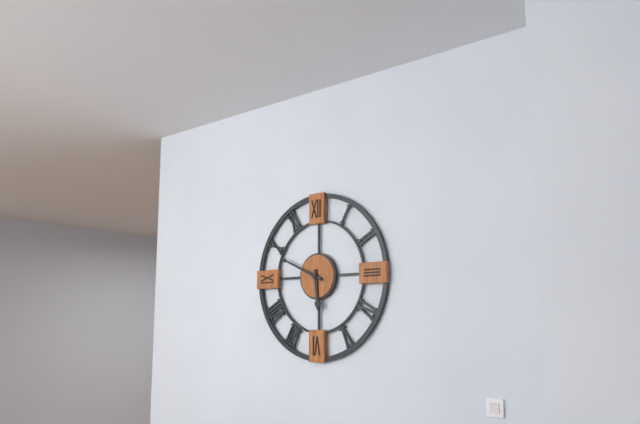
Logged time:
5:49
